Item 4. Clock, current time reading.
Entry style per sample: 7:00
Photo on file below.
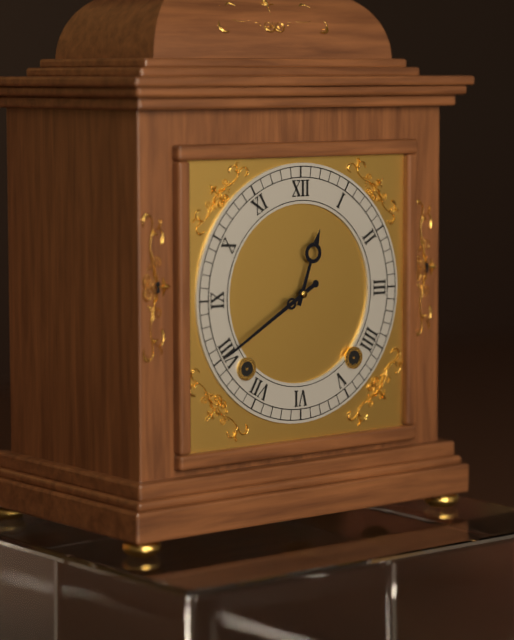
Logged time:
12:40
